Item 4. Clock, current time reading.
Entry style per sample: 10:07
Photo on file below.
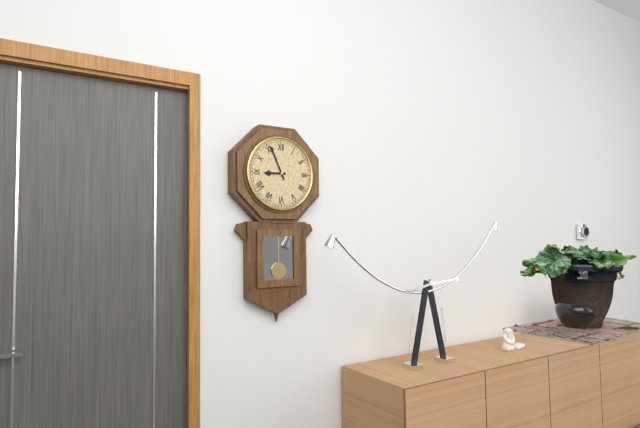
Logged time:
8:56
